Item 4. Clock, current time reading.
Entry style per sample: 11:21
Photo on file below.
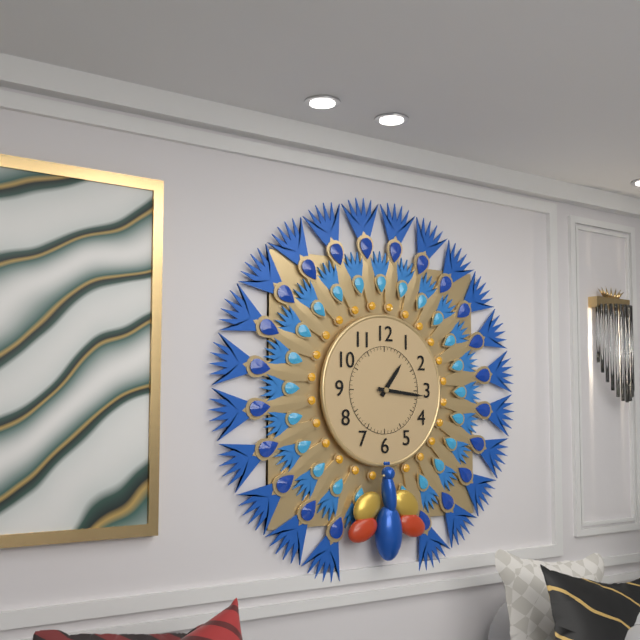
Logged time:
1:16
